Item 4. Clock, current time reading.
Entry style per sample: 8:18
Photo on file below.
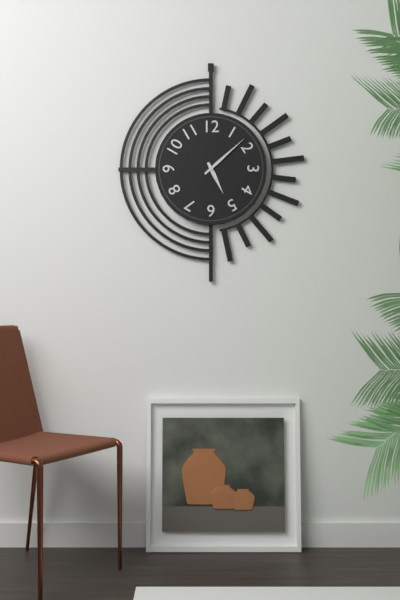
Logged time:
5:08
